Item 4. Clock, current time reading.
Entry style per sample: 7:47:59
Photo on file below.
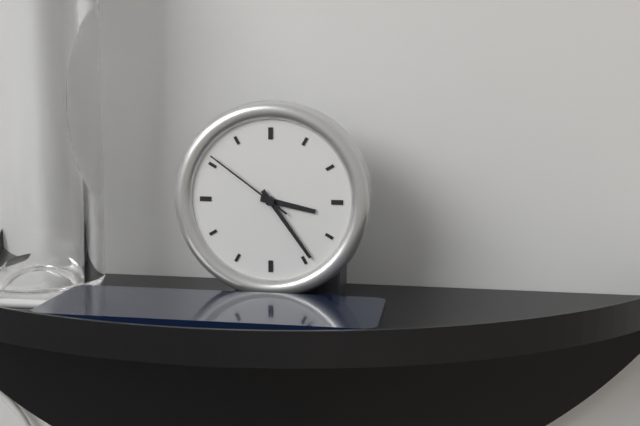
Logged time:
3:24:51
